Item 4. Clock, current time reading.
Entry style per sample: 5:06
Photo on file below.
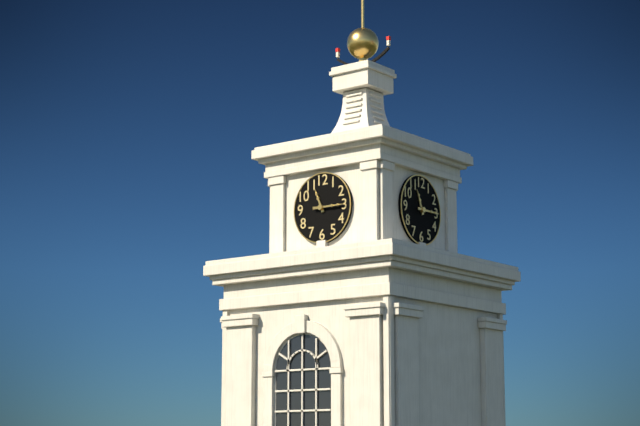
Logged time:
11:15
